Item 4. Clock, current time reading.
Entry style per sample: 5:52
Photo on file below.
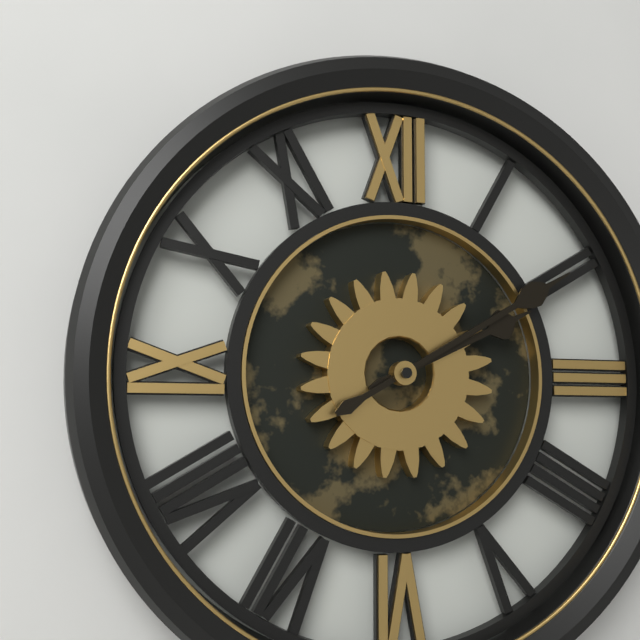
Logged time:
2:10
